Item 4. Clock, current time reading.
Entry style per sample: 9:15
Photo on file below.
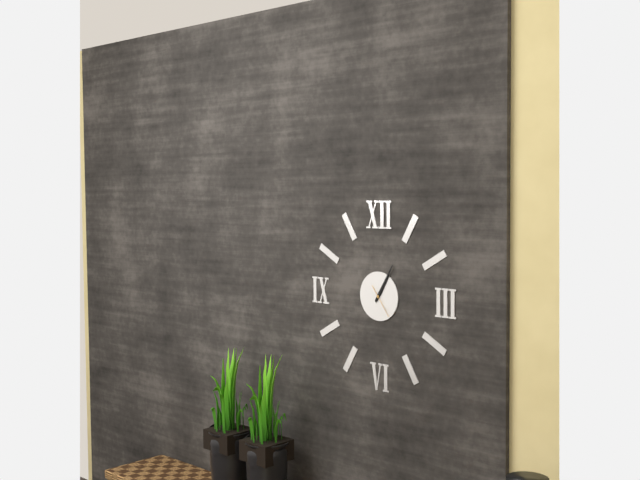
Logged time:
1:05
